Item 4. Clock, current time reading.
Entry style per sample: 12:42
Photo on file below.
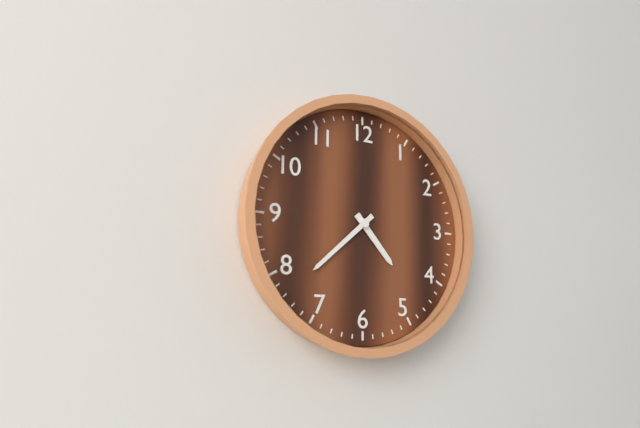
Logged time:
4:38
